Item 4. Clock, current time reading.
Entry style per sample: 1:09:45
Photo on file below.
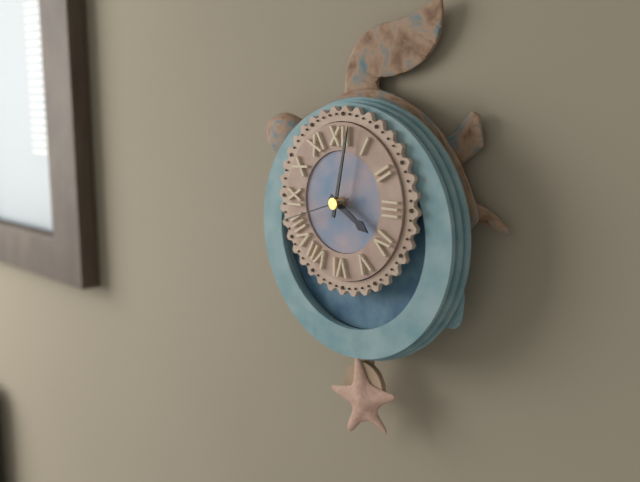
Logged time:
4:02:42
